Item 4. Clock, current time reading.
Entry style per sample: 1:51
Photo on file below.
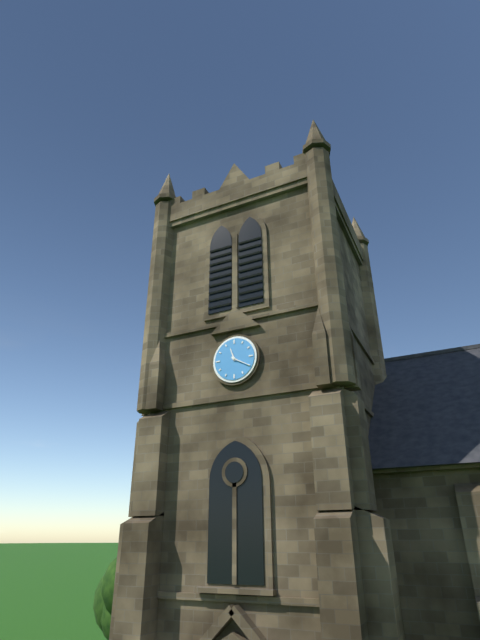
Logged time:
11:20
